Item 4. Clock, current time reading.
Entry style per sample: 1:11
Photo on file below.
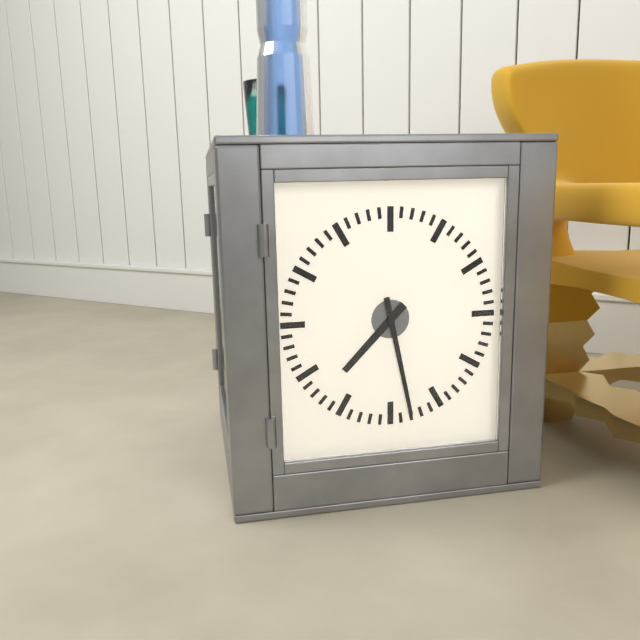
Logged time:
7:28
